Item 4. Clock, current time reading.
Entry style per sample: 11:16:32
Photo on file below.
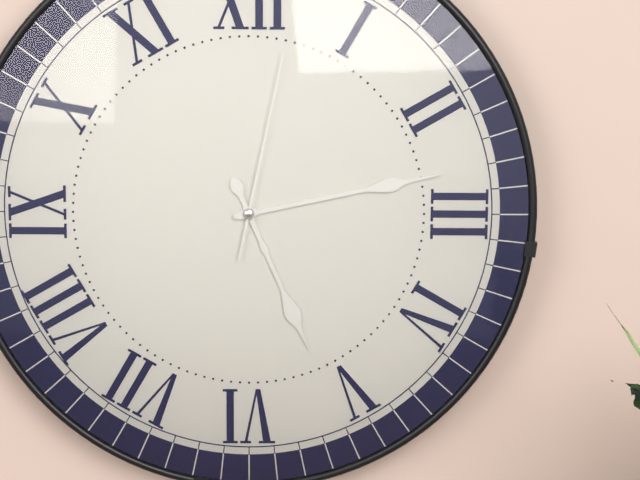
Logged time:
5:13:02
